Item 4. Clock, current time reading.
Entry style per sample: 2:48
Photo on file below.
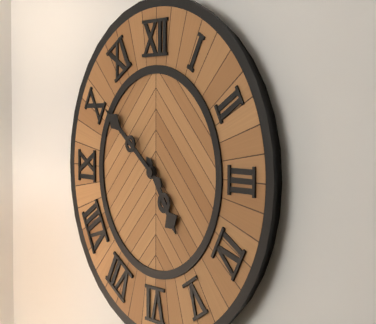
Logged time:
4:51
